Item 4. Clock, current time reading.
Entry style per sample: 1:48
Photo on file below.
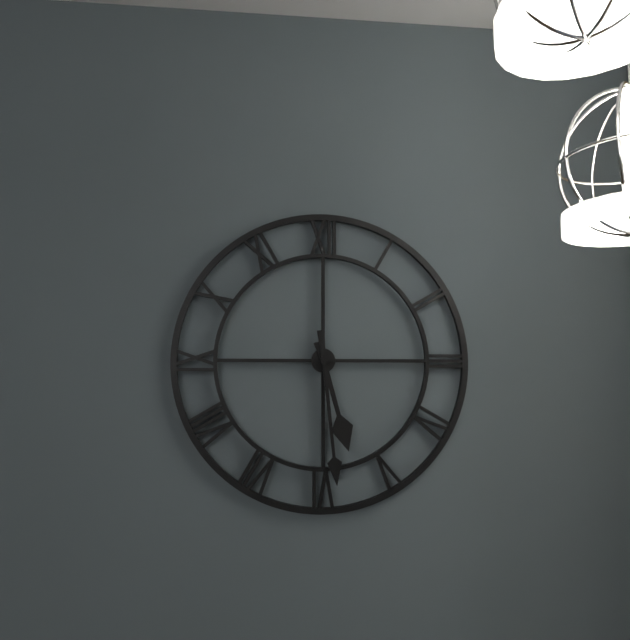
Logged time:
5:29
